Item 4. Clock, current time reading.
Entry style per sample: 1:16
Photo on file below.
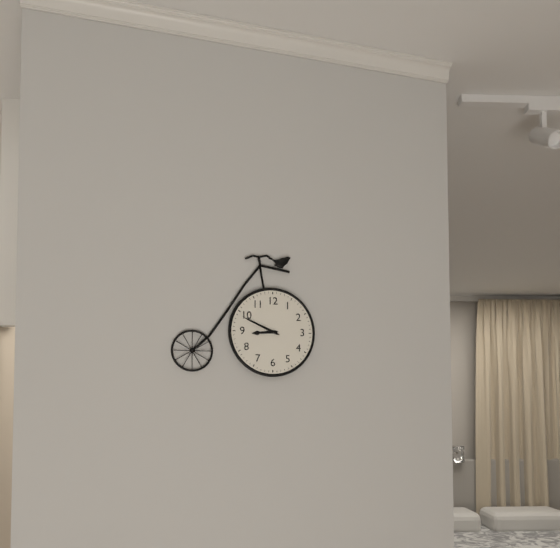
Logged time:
8:49
